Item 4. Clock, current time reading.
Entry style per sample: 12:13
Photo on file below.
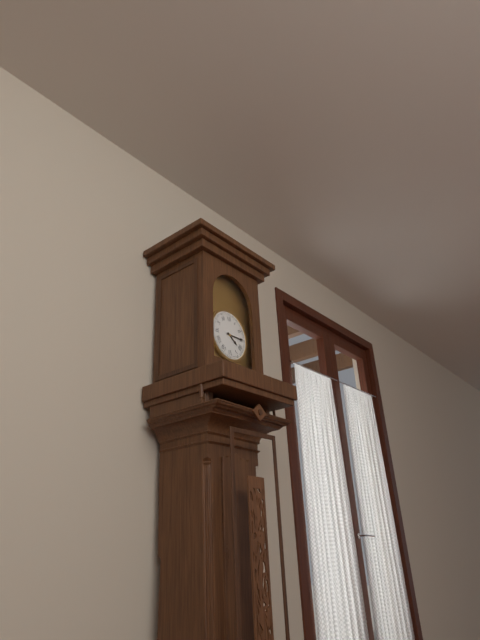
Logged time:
4:15
